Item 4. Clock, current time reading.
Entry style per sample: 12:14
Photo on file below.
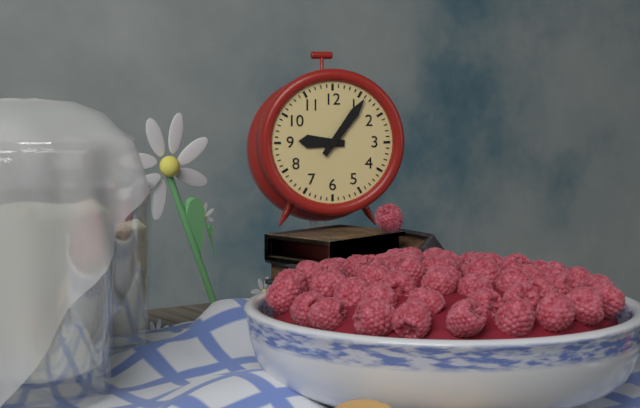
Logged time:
9:06
